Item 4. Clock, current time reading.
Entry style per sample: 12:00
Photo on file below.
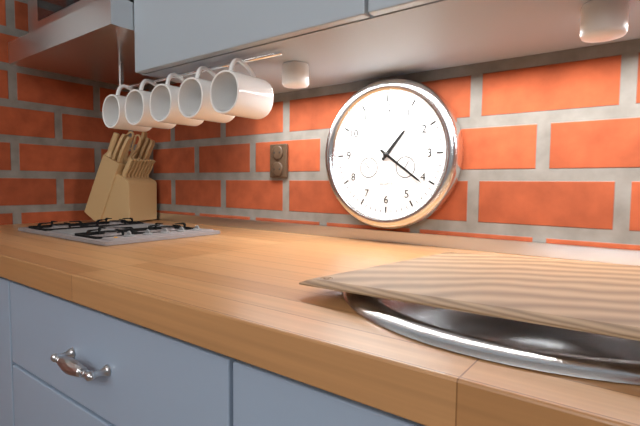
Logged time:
1:21
